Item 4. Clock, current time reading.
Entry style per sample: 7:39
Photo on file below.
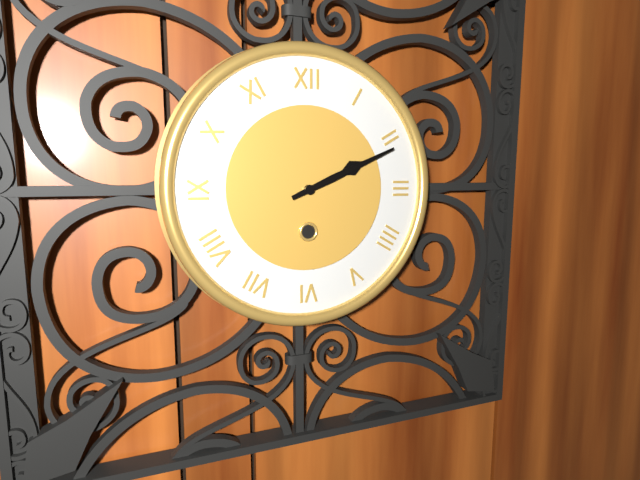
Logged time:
2:11
